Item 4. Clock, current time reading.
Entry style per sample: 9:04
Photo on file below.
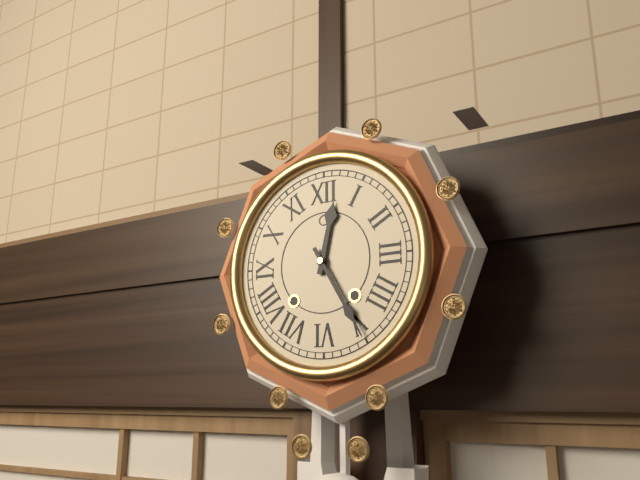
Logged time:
12:25
